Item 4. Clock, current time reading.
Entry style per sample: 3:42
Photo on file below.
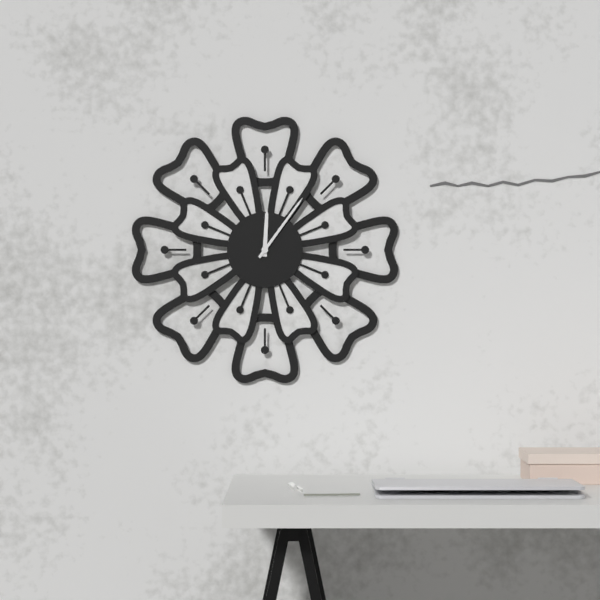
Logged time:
12:06
